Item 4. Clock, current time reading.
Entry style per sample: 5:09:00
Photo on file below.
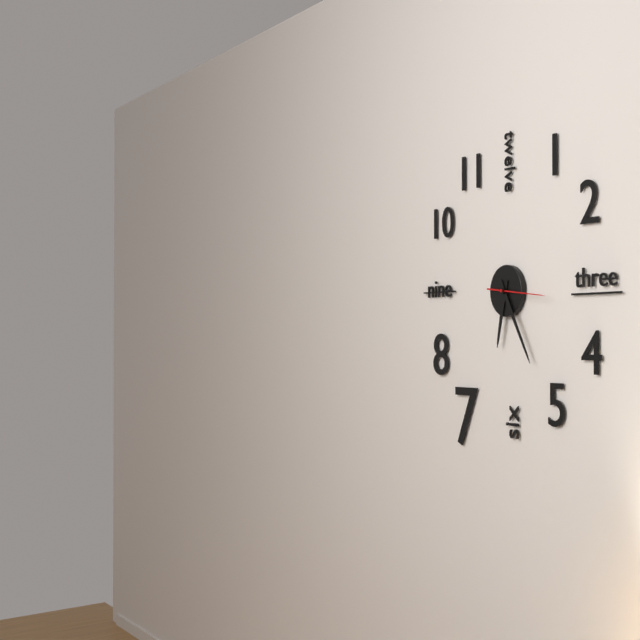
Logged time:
6:25:16
